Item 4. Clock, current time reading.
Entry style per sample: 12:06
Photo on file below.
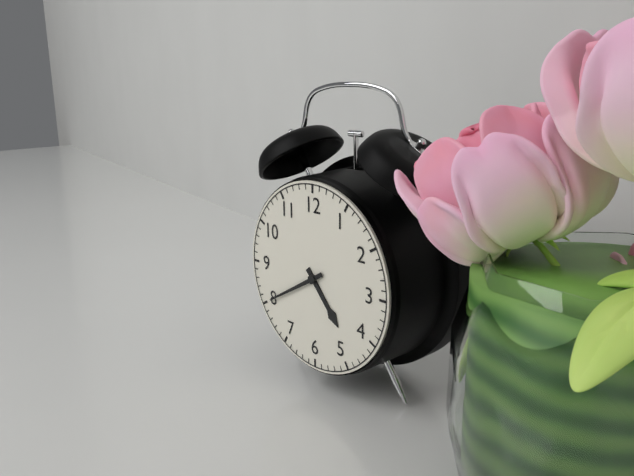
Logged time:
4:40
